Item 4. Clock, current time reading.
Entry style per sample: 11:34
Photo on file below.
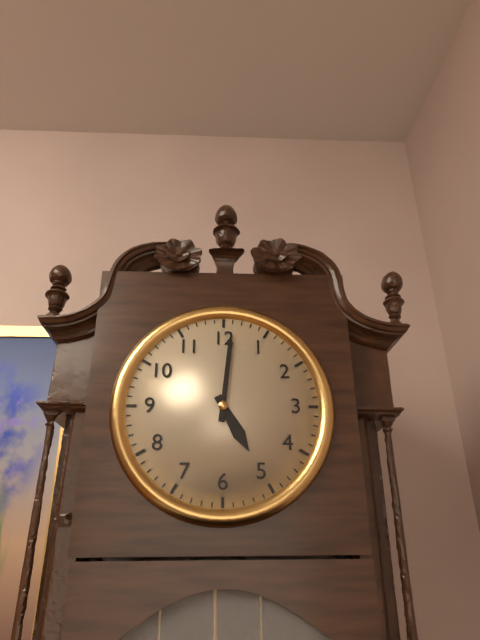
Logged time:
5:01
